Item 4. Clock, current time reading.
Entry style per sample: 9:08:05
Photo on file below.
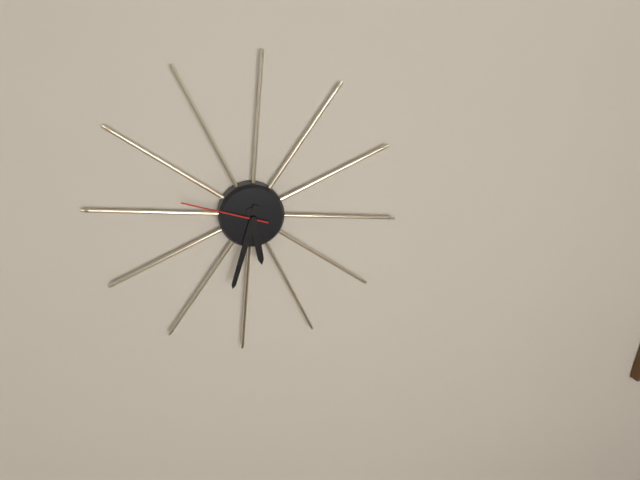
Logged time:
5:32:47
